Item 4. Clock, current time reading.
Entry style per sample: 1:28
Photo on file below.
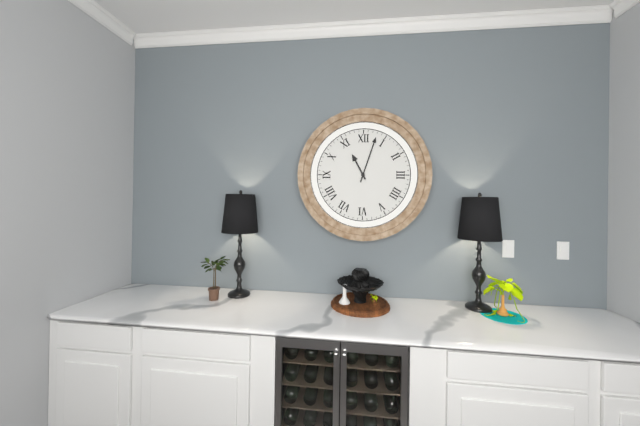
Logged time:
11:03
